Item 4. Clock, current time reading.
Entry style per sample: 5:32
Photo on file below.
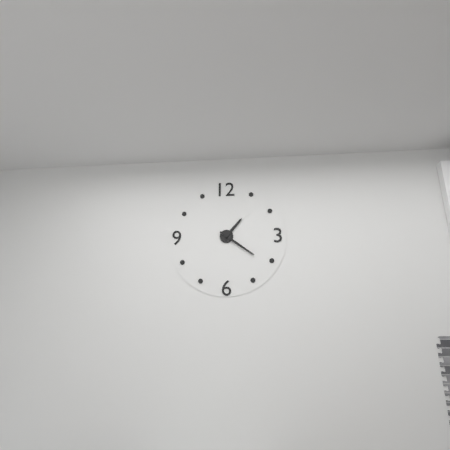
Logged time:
1:21
